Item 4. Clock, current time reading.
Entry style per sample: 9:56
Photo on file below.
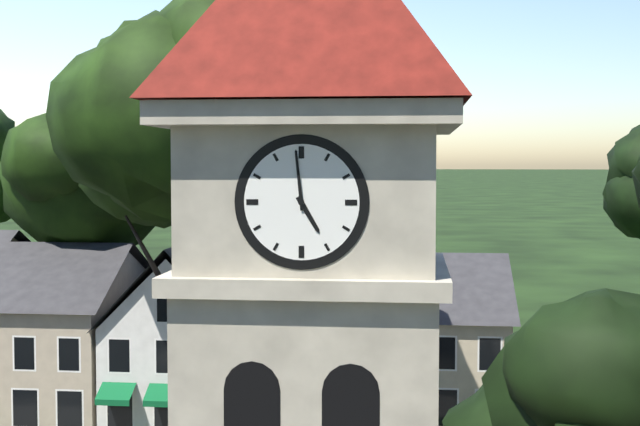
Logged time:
4:59
